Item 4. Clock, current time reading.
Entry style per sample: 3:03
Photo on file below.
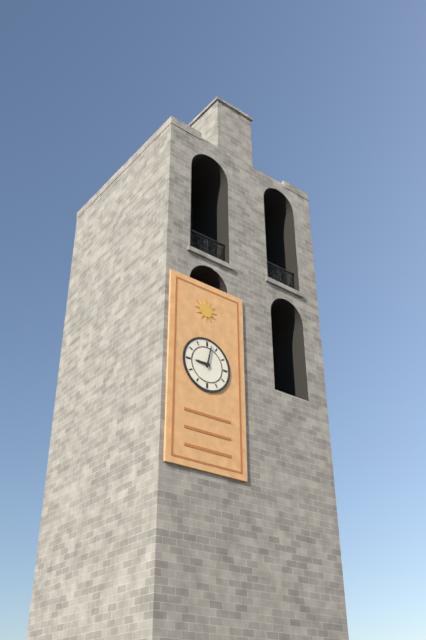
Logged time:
9:02
